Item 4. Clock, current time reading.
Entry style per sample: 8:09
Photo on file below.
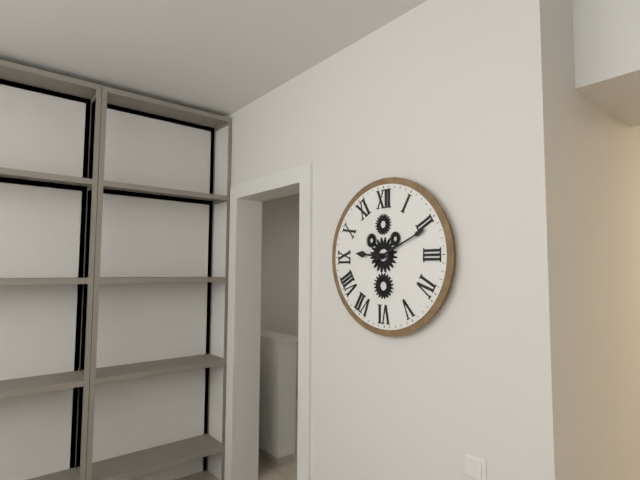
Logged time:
9:11
